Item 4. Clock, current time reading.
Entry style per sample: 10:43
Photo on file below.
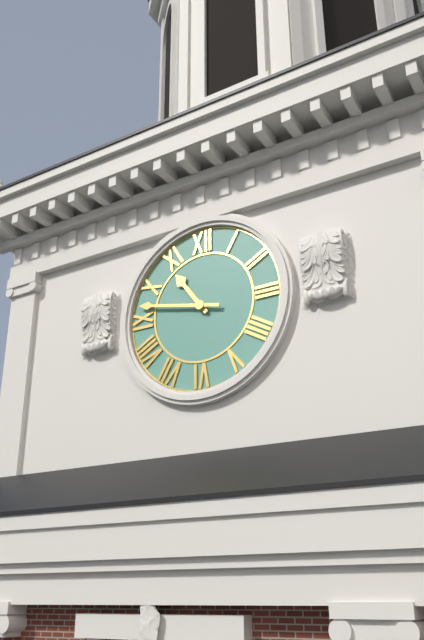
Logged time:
10:47
